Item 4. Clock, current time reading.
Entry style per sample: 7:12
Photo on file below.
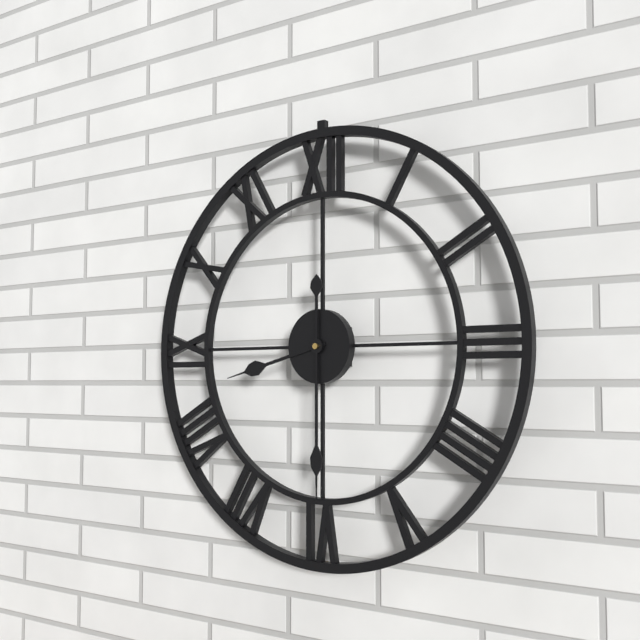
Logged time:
8:30
